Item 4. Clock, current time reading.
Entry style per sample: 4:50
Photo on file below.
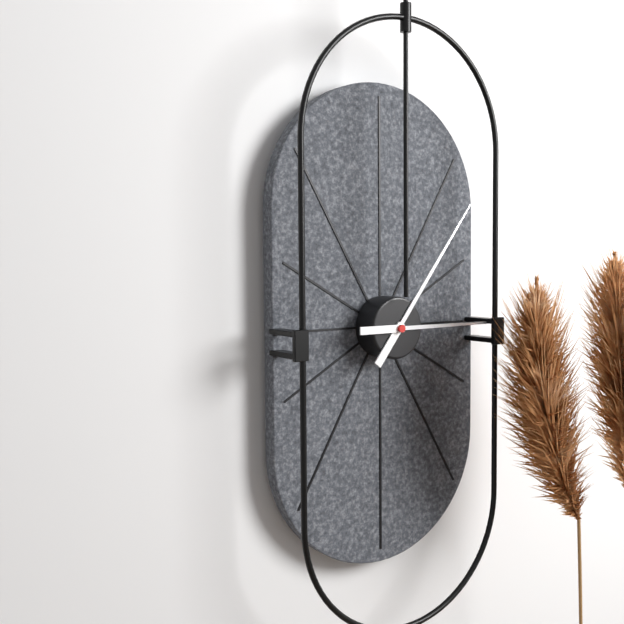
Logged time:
1:15
